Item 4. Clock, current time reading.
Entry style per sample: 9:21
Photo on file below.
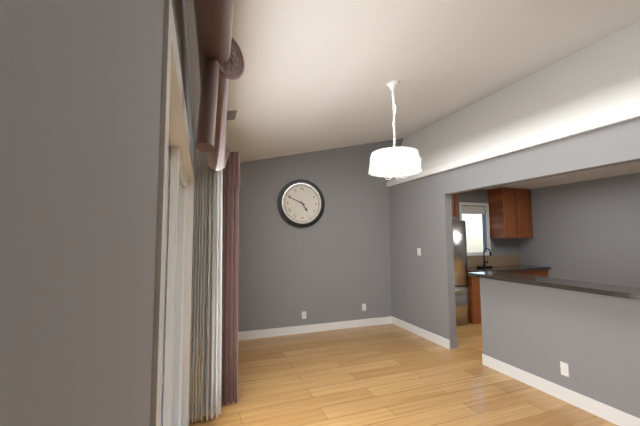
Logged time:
4:49
